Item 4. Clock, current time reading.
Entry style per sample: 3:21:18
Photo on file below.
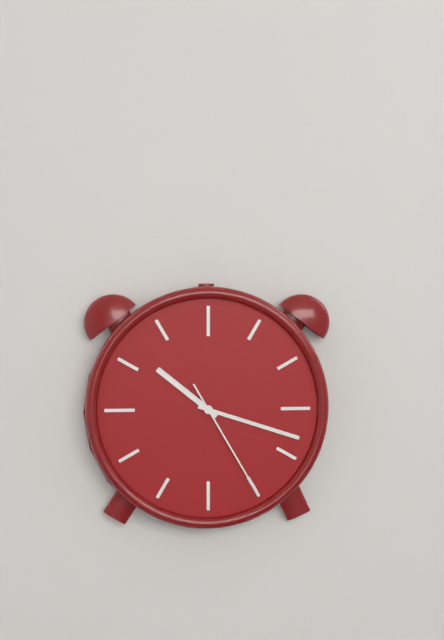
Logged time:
10:18:25
